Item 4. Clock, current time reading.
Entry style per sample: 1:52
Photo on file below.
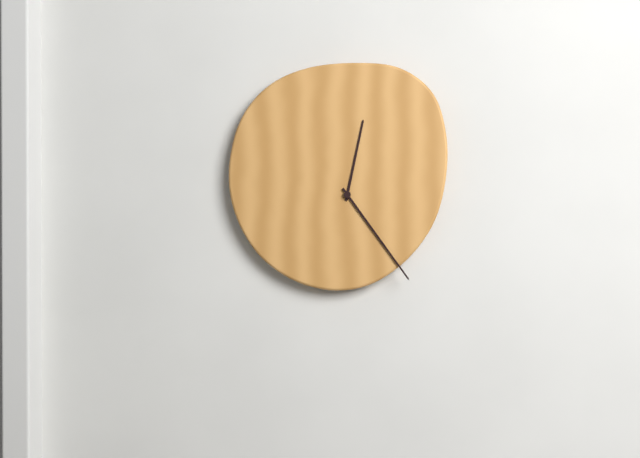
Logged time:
12:24
